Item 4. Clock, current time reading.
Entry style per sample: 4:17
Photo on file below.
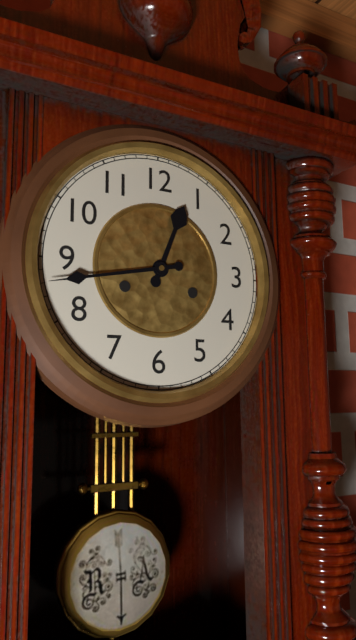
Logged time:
12:43
